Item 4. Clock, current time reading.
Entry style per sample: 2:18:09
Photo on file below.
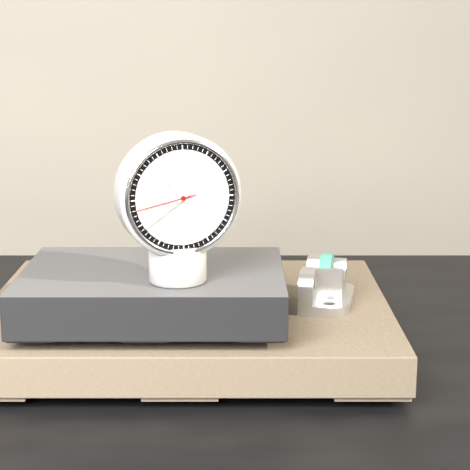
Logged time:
10:39:43
